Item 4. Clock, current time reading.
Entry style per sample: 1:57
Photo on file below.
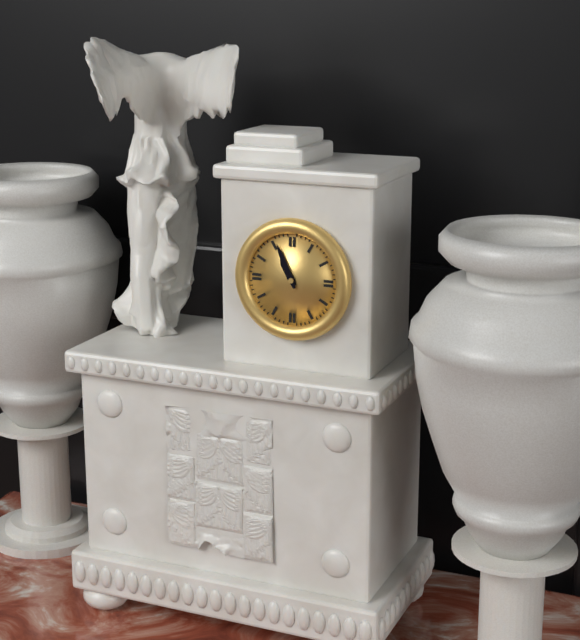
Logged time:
10:56
